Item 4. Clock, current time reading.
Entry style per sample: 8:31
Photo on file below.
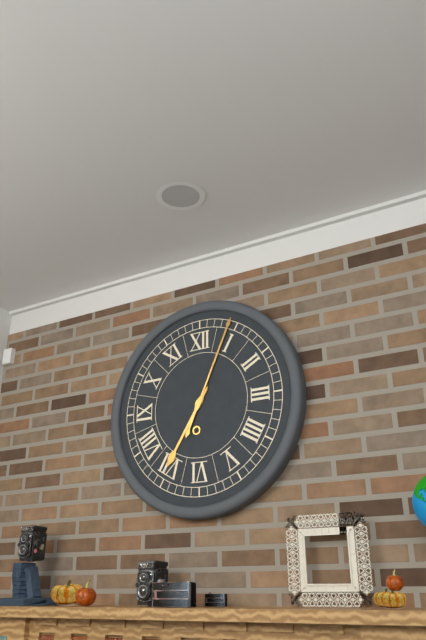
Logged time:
7:04
